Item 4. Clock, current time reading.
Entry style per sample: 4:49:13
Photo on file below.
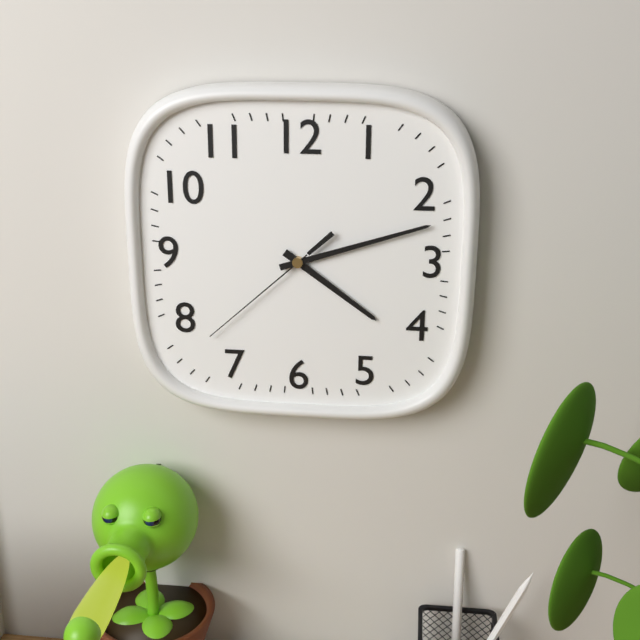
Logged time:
4:12:38
